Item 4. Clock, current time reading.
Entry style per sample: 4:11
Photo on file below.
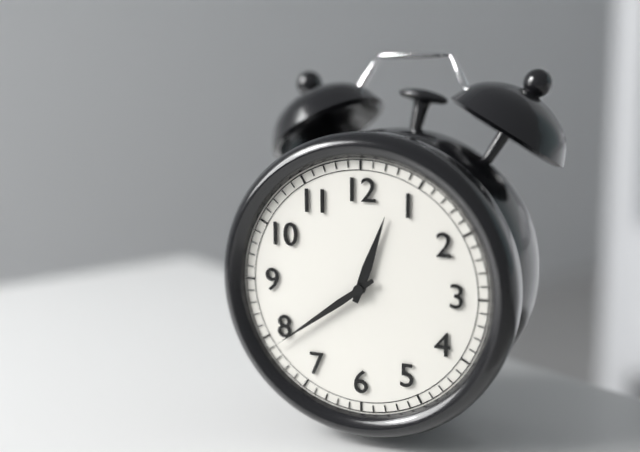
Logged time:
12:39
